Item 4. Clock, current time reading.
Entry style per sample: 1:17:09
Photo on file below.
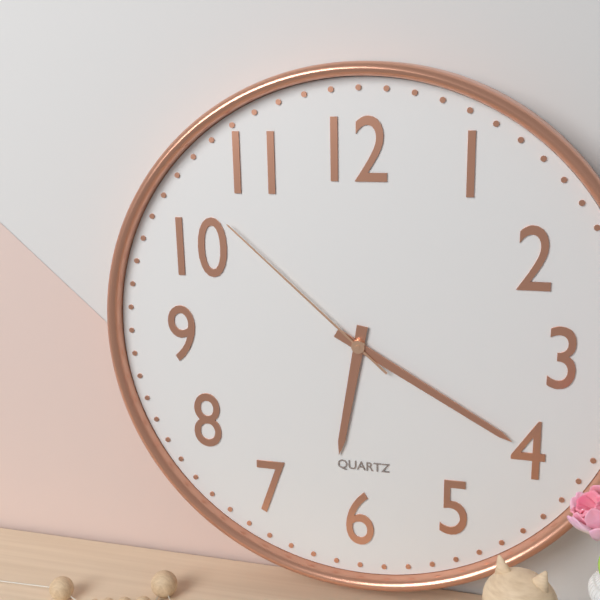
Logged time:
6:20:52
